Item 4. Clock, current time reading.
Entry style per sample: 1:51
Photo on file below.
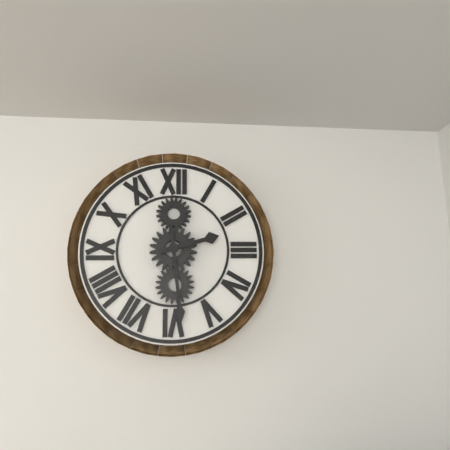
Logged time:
2:29
